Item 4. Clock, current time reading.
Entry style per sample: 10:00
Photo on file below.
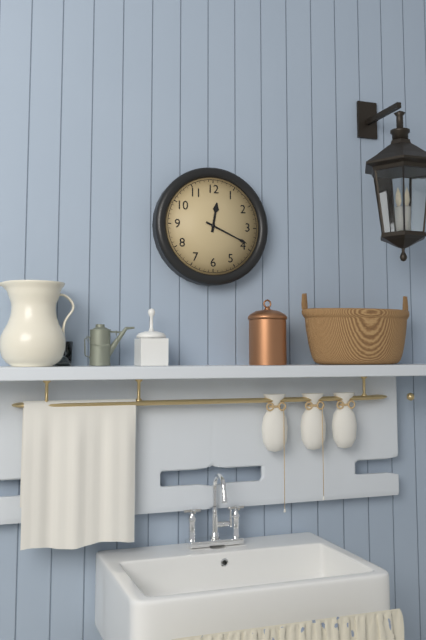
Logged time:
12:19
